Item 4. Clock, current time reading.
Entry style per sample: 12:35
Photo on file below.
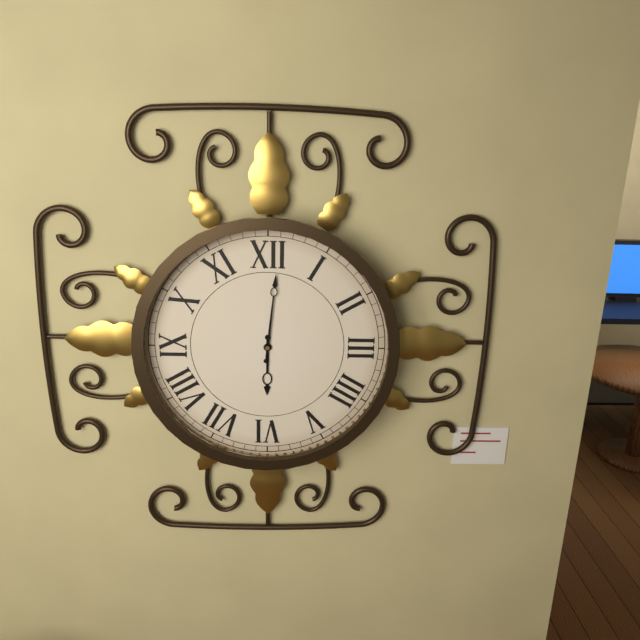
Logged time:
6:01
